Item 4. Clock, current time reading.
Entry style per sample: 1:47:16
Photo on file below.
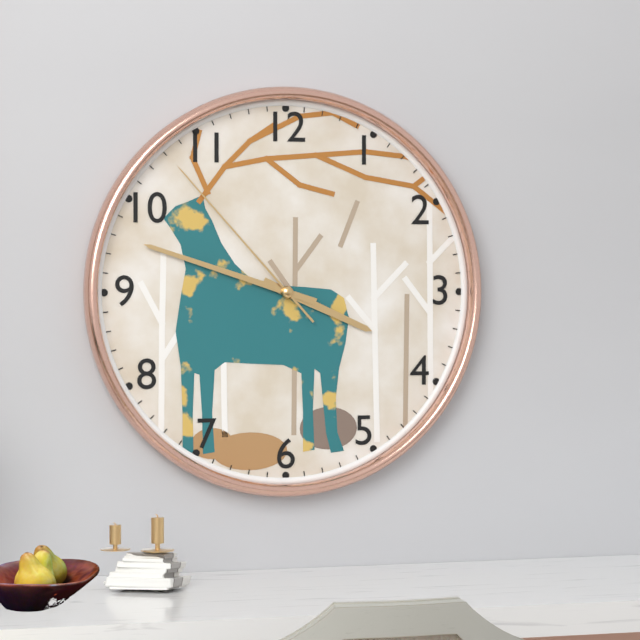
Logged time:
3:48:53
